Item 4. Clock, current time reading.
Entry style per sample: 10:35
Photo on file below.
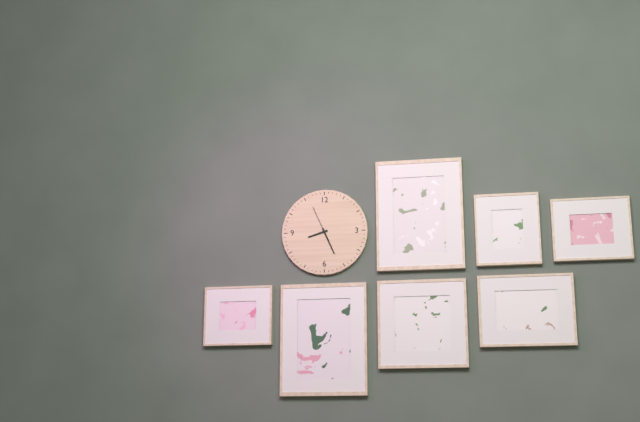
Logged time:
8:26
